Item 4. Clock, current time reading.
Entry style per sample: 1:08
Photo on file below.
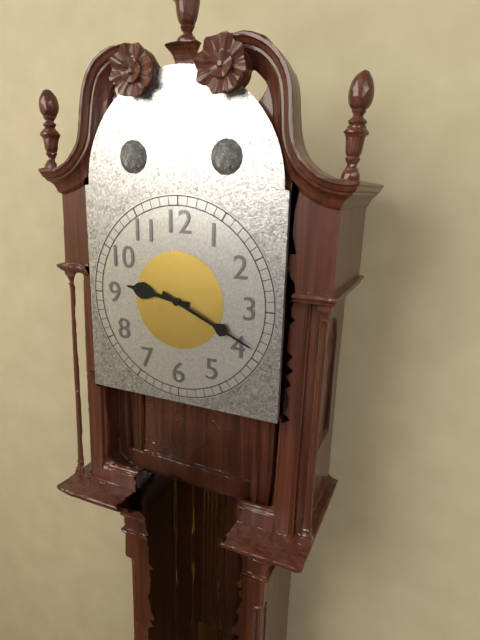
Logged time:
9:19
